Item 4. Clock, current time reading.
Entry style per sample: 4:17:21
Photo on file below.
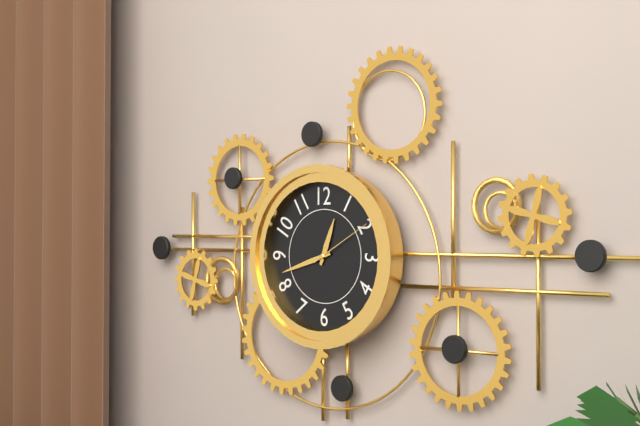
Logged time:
12:42:10
